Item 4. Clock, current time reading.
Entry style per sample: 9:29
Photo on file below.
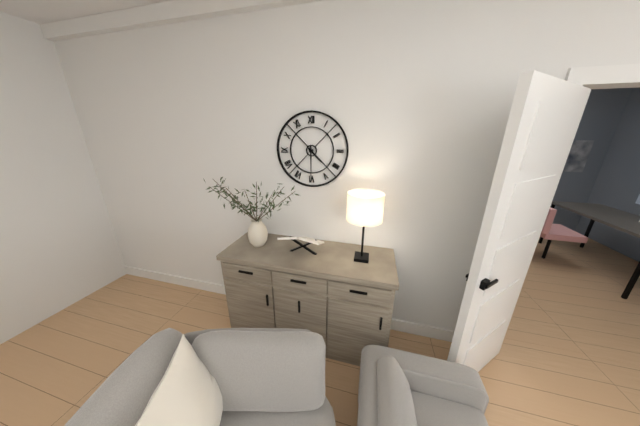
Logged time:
4:30
